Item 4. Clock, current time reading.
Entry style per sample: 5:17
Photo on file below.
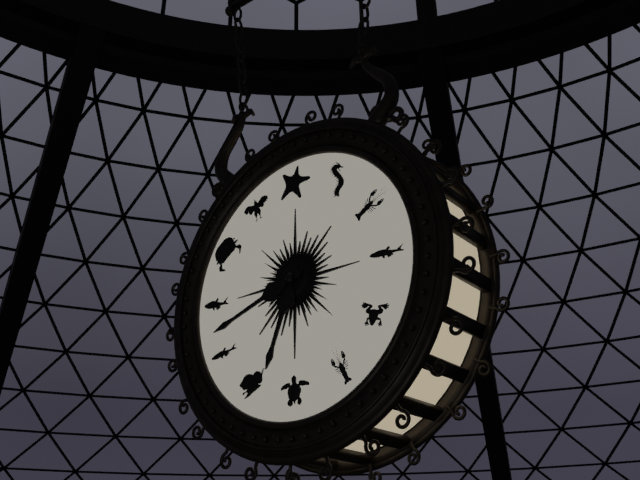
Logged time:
6:42
